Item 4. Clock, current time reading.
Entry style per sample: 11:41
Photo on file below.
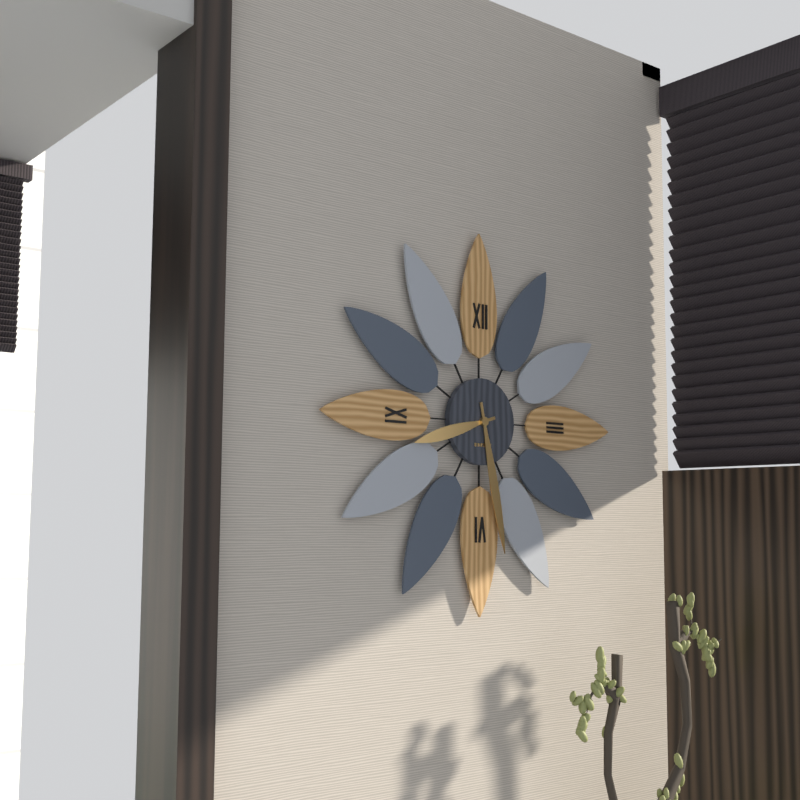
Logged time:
8:28
